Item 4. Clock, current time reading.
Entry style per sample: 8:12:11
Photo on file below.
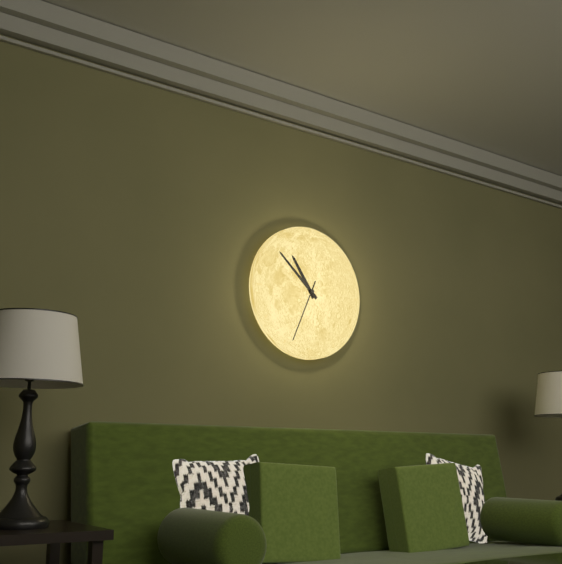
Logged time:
10:52:34
